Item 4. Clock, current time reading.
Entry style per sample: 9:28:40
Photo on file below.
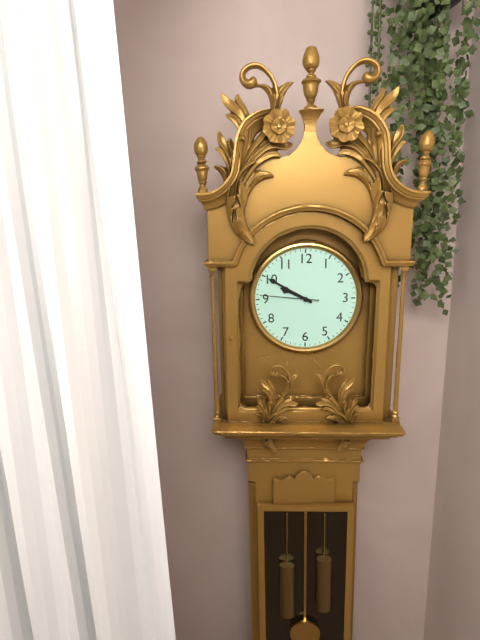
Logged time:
9:50:46
